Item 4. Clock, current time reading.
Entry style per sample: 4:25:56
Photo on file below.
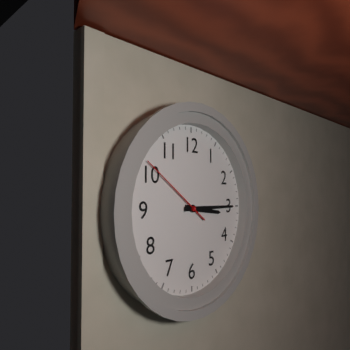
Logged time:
3:15:51
